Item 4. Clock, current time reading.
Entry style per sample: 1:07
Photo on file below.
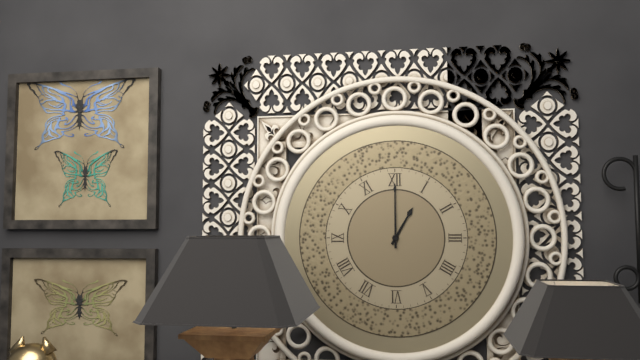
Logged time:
1:00
